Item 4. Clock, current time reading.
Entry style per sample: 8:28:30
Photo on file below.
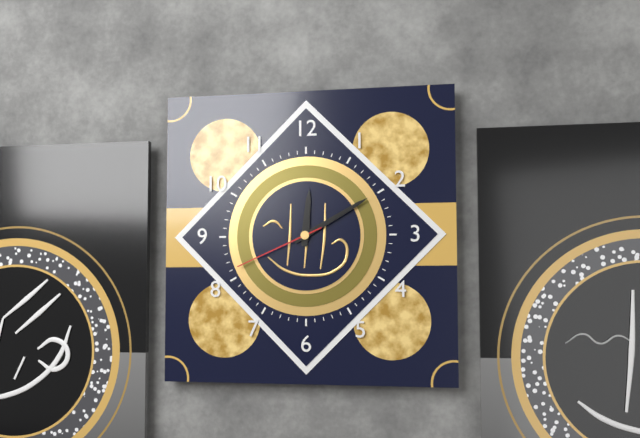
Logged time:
12:10:41
